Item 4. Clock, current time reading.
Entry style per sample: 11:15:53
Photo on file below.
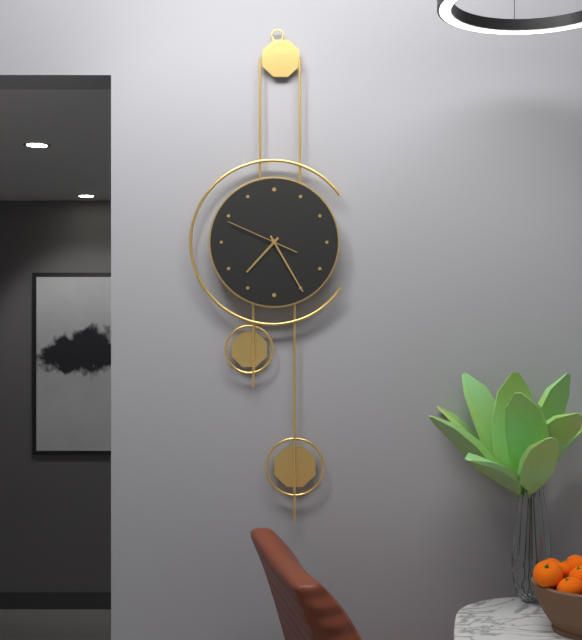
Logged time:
7:25:49
